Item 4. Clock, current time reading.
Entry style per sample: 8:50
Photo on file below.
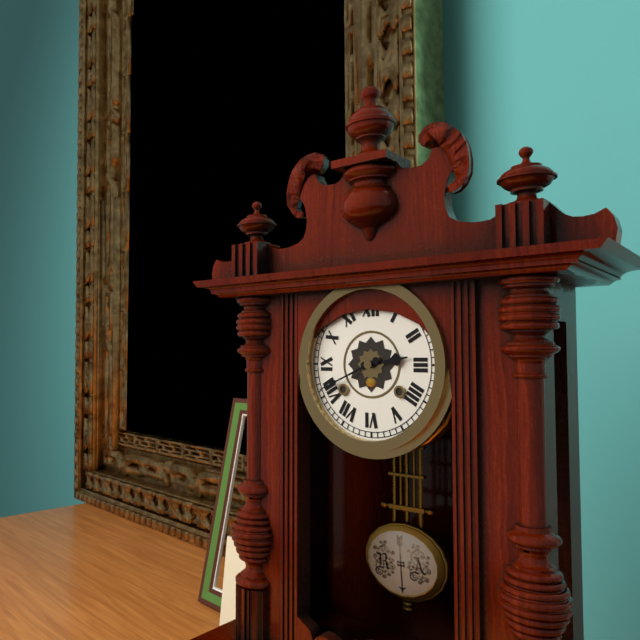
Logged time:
2:41
